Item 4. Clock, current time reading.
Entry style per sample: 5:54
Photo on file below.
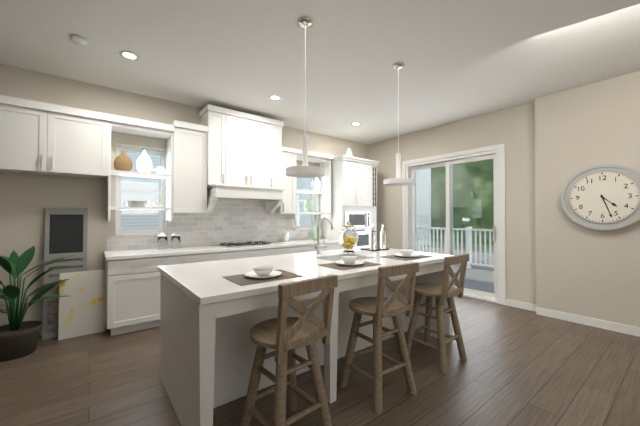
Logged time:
4:27
